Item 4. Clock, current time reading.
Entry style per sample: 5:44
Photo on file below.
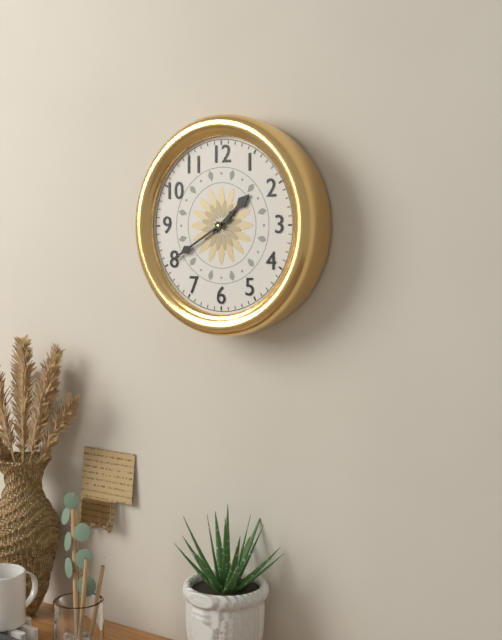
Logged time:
1:40
